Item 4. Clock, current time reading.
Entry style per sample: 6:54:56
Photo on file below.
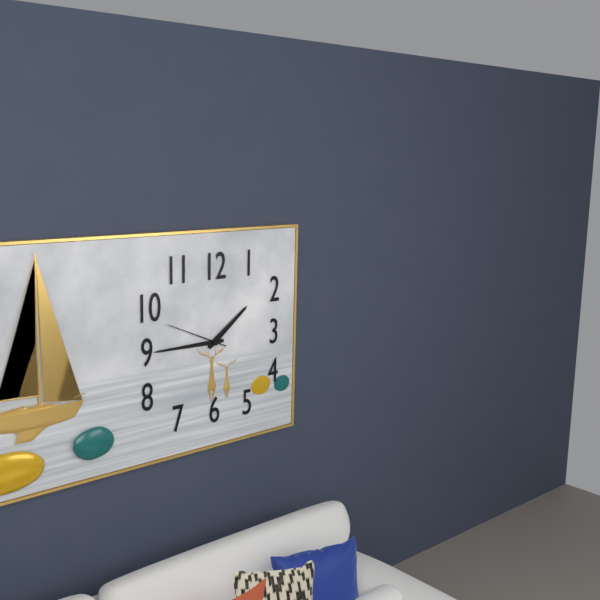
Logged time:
1:45:49
